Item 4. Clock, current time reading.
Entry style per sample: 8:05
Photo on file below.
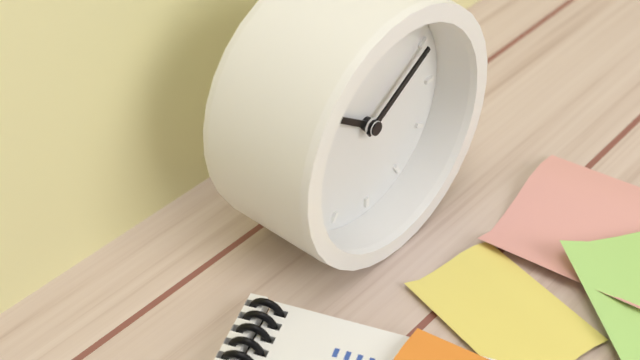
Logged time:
10:10
